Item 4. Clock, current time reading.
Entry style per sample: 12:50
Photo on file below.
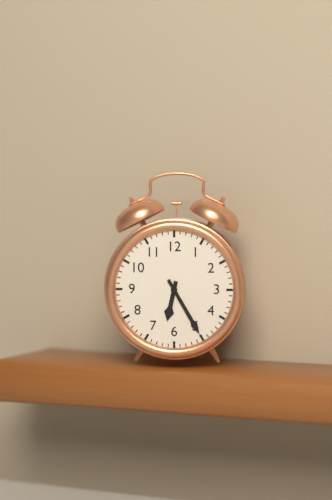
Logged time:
6:25
